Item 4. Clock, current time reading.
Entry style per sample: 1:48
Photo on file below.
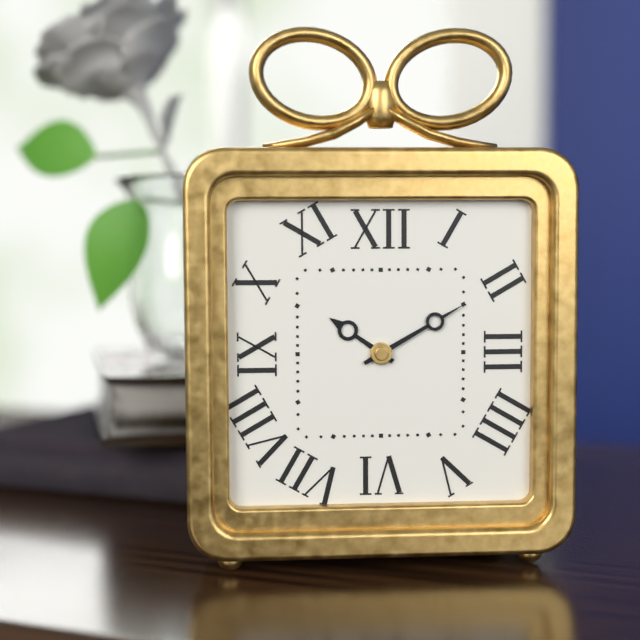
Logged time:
10:10
